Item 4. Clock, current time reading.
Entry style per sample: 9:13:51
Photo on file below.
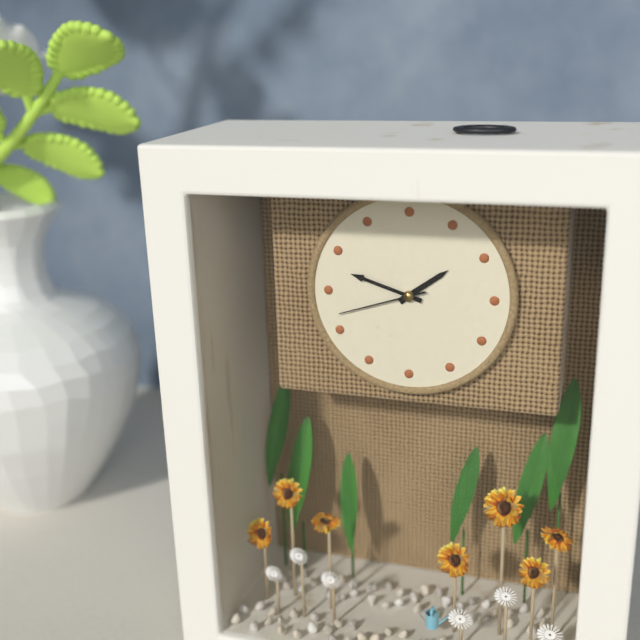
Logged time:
1:48:42
